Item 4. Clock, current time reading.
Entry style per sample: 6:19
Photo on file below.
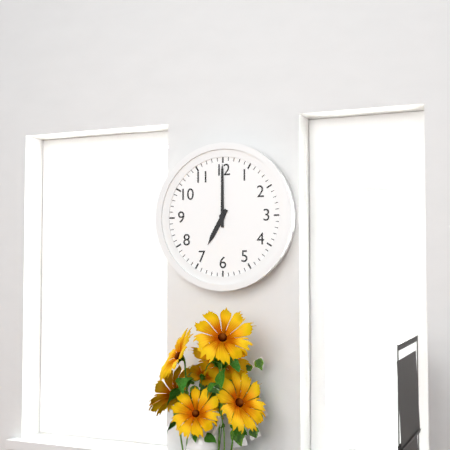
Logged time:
7:00
